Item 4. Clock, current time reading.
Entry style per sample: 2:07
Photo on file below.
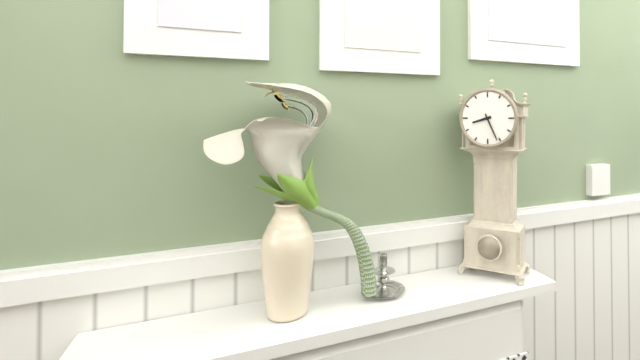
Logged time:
8:26
